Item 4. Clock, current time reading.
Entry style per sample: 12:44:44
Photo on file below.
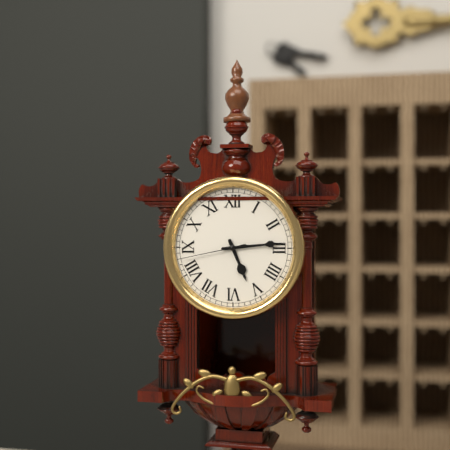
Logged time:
5:14:43
